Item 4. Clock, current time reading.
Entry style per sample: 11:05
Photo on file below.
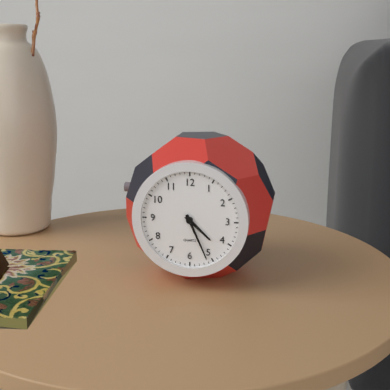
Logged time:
4:26
